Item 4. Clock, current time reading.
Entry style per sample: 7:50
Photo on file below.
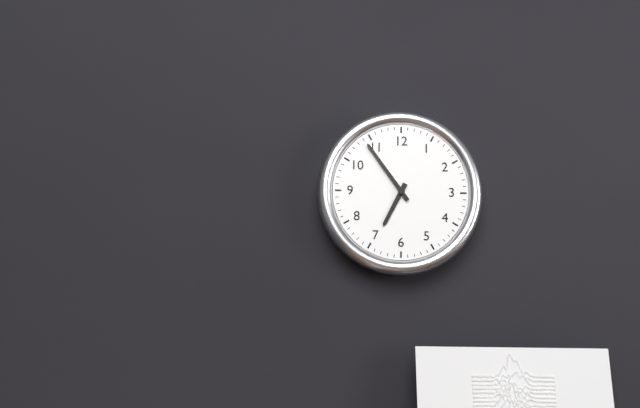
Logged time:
6:54
